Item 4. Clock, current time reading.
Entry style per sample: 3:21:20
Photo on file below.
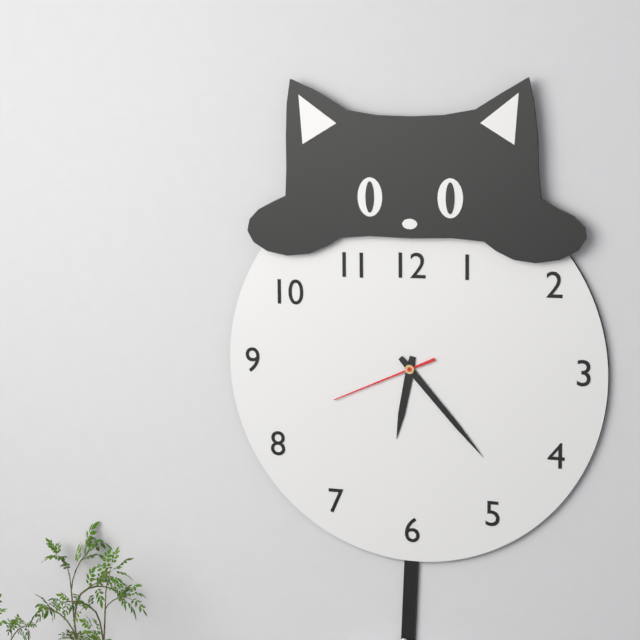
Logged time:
6:23:41
